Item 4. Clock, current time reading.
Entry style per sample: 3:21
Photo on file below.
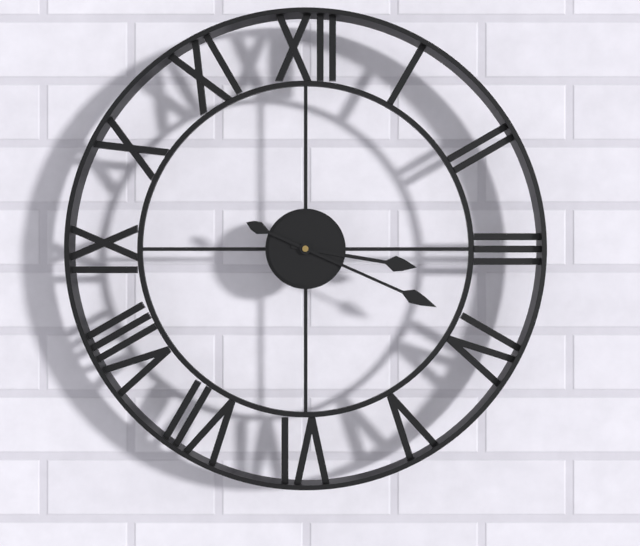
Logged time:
3:19
